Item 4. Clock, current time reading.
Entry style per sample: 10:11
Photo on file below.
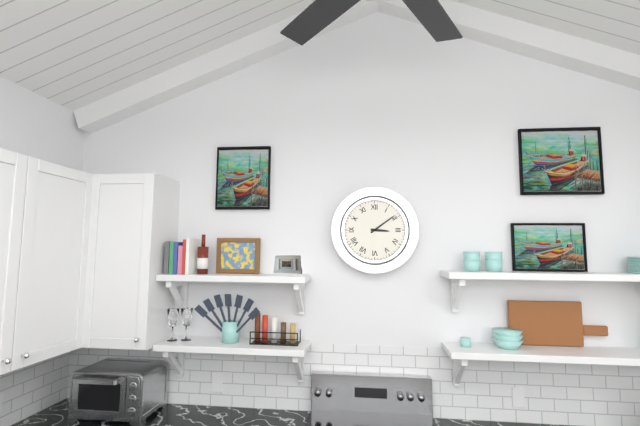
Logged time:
3:09
